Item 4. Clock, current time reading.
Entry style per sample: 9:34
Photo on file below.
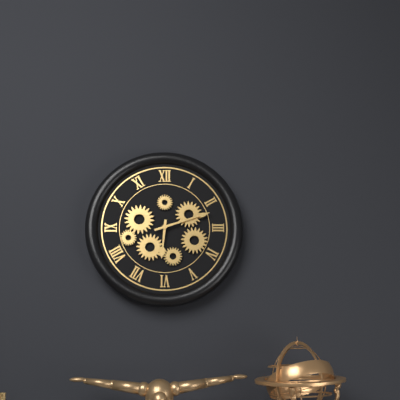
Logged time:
6:12
